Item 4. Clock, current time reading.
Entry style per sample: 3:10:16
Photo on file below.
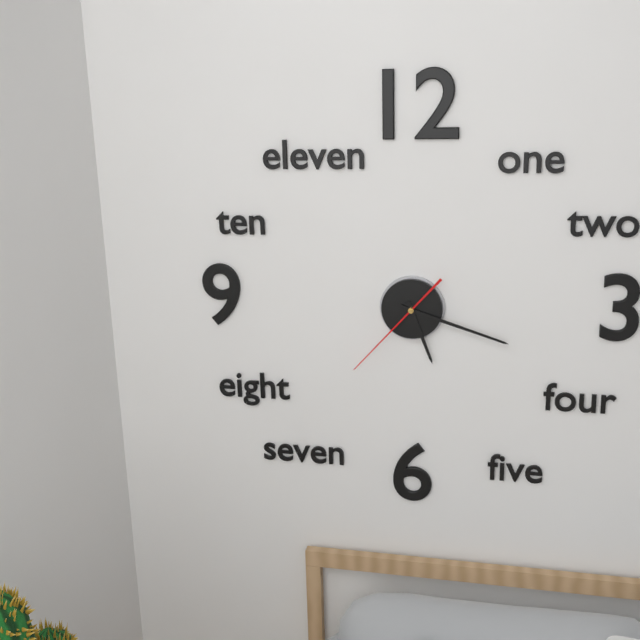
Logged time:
5:18:37
